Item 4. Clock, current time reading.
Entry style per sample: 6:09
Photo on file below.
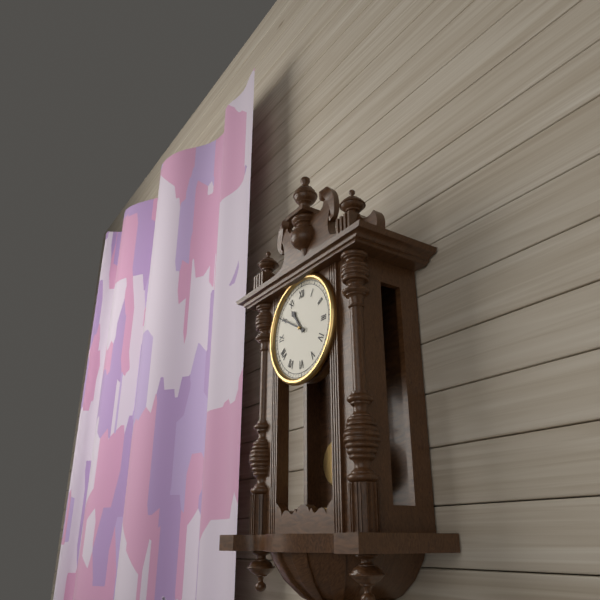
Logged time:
10:50
